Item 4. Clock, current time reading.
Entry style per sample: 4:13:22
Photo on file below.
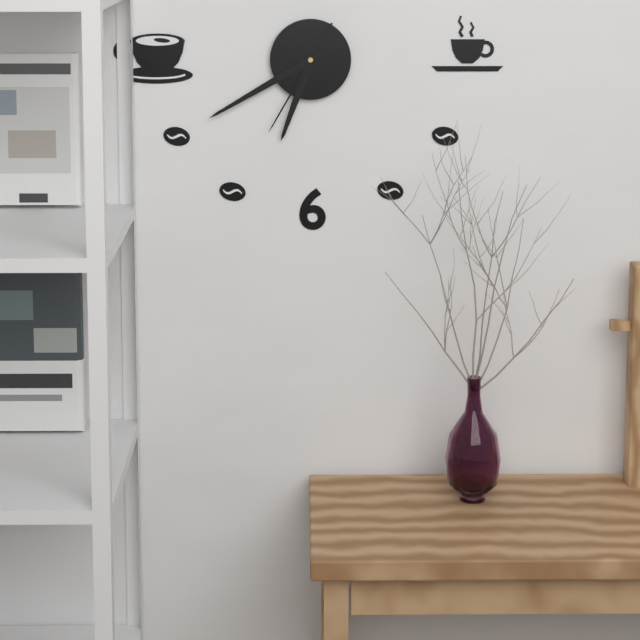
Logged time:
6:40:35
